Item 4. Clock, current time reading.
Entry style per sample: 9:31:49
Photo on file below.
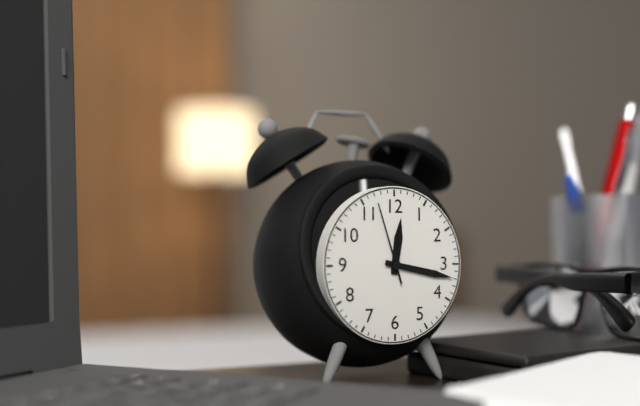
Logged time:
12:17:57
